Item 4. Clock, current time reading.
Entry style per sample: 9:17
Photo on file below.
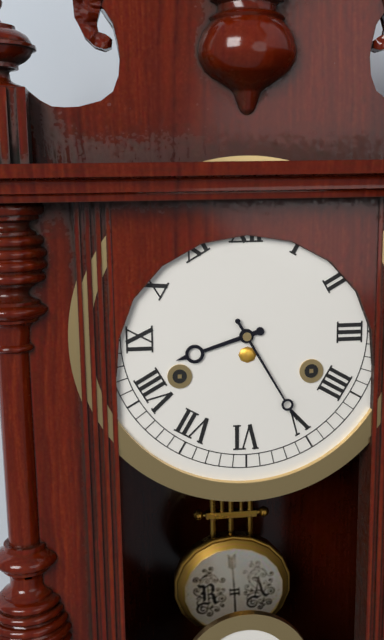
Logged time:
8:25
